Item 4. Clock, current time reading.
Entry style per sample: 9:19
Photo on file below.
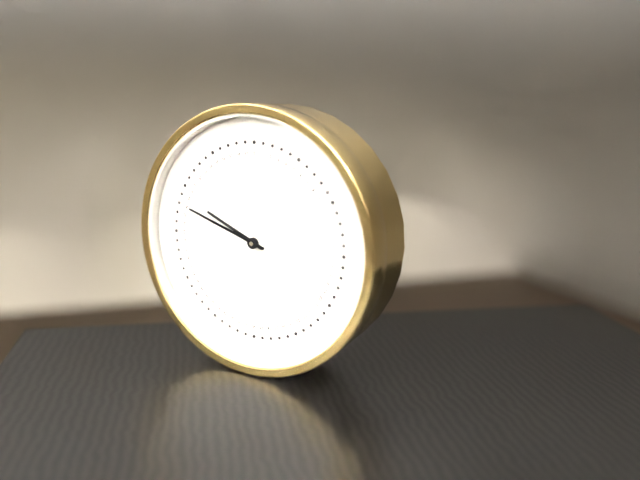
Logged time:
9:48
